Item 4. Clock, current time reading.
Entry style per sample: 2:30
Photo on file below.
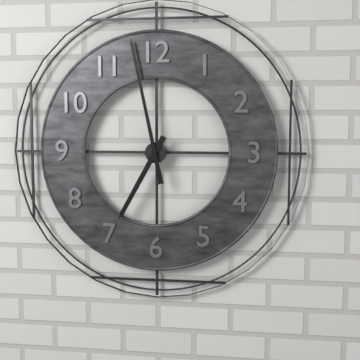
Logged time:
6:58
